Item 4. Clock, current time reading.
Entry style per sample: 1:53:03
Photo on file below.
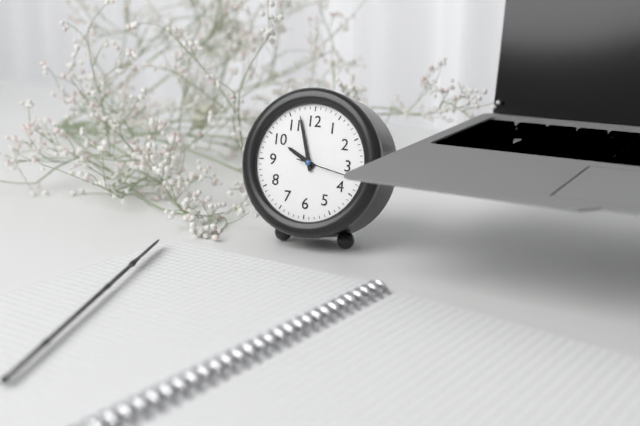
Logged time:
9:57:17
